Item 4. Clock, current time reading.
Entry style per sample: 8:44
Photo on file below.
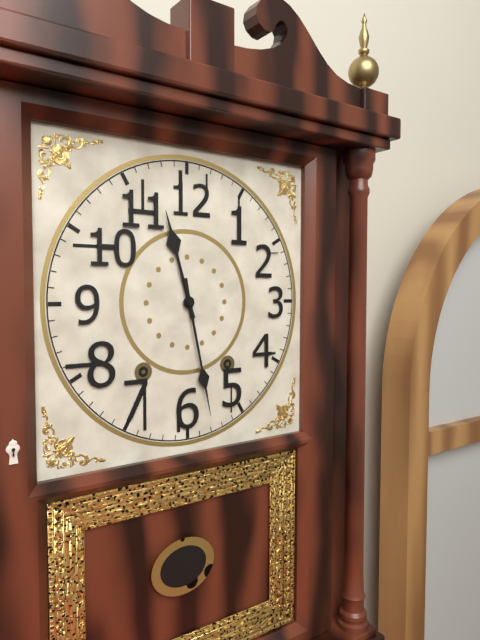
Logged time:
11:28
